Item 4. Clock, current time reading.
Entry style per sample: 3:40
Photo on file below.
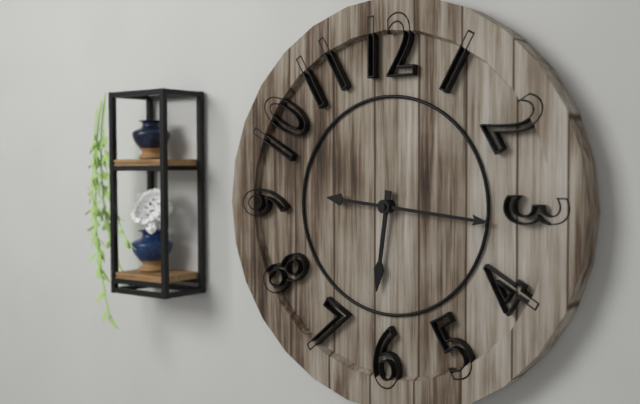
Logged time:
6:16
